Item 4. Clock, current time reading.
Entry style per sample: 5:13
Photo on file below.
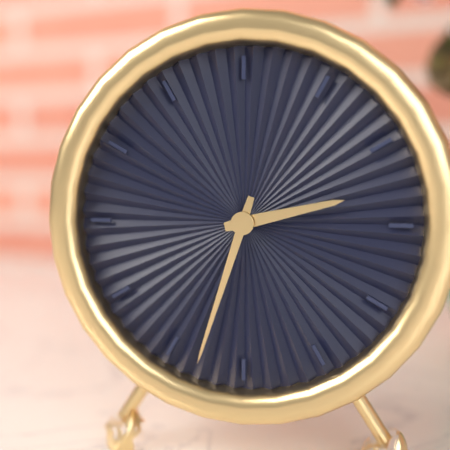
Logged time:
2:33
